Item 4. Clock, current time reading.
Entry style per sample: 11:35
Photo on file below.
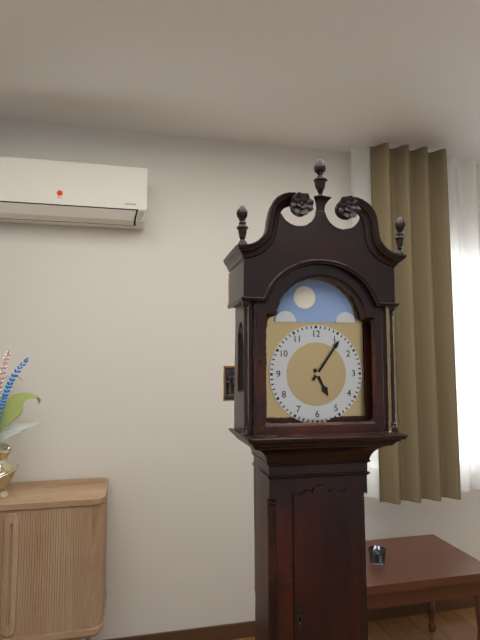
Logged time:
5:06
